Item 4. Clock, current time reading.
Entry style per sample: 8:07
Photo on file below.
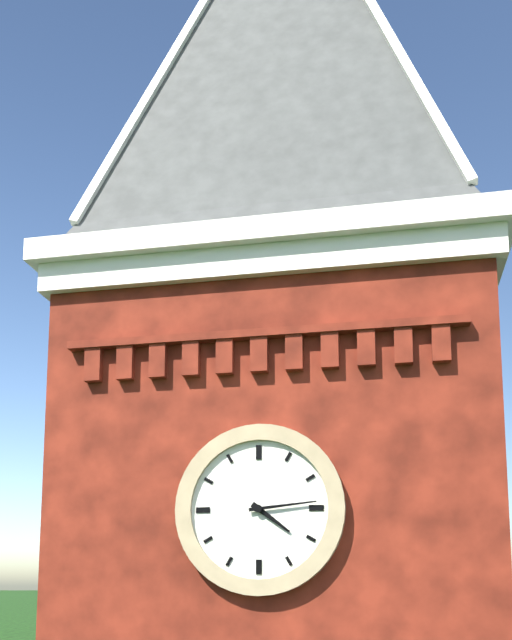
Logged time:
4:14
